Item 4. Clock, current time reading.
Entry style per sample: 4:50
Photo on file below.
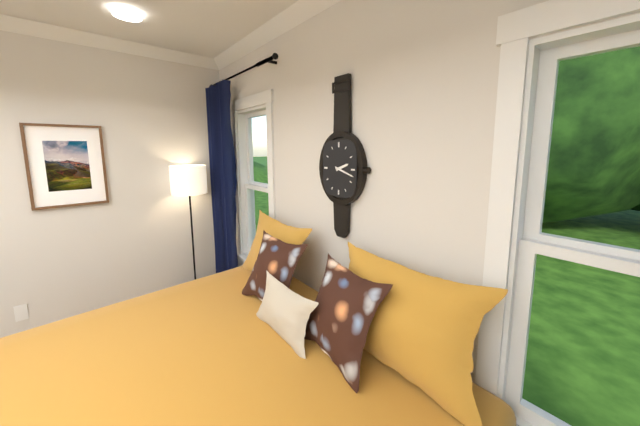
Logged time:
2:18
